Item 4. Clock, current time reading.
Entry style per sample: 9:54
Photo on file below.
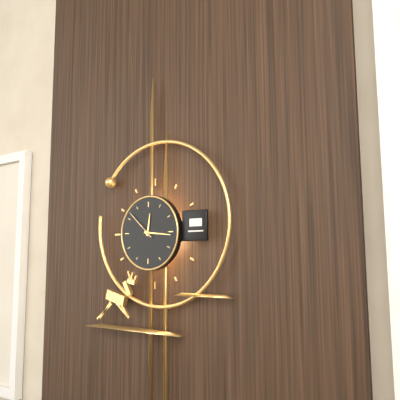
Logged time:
12:16
